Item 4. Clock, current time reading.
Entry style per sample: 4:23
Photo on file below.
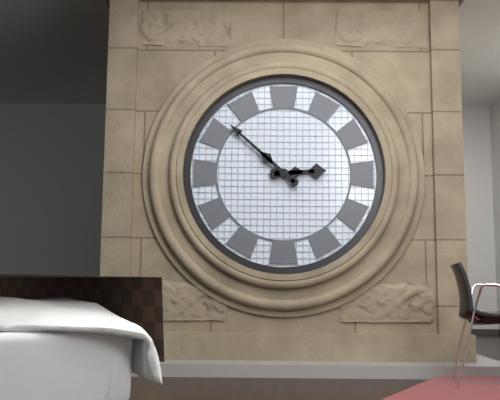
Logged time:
2:52
